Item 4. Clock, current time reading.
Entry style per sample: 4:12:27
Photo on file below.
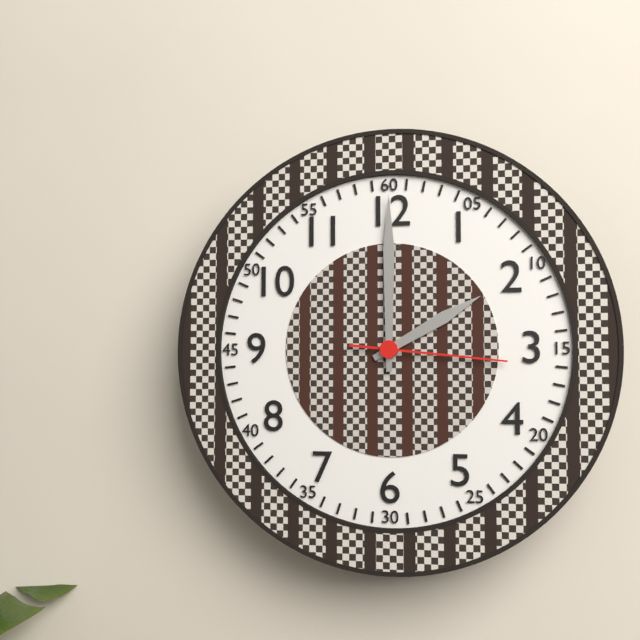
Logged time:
2:00:16
